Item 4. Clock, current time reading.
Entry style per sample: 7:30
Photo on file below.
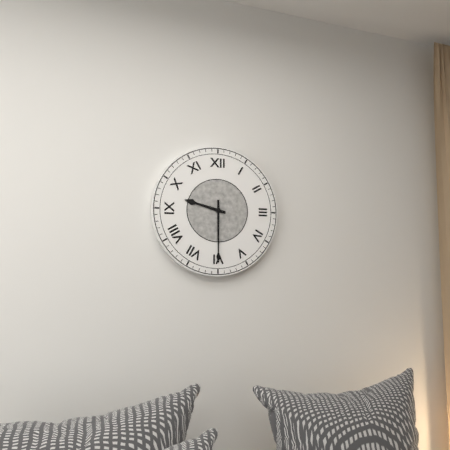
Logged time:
9:30
